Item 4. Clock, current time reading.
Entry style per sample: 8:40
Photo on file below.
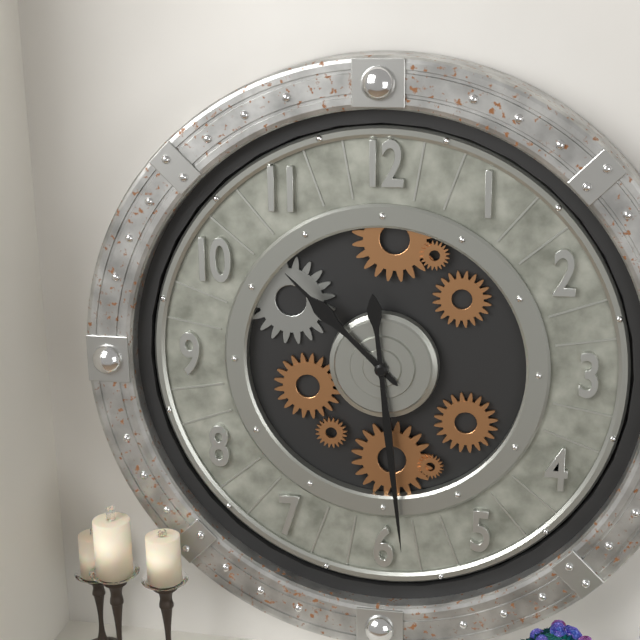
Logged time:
10:29
